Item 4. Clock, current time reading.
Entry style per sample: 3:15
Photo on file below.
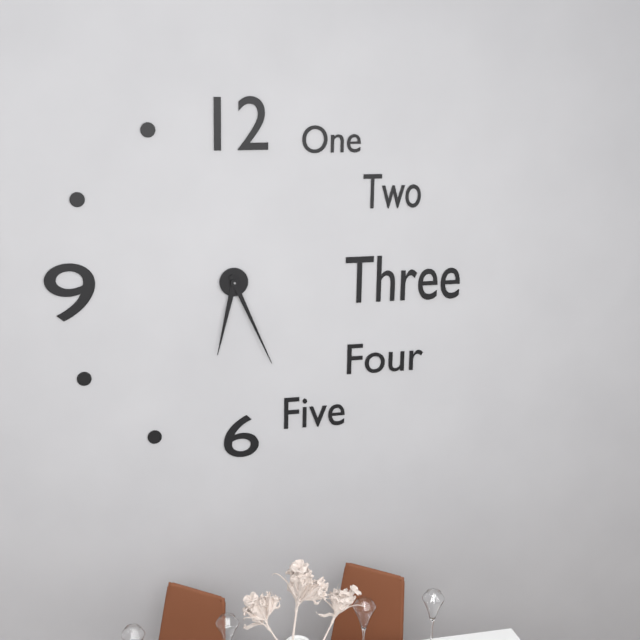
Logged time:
6:26
